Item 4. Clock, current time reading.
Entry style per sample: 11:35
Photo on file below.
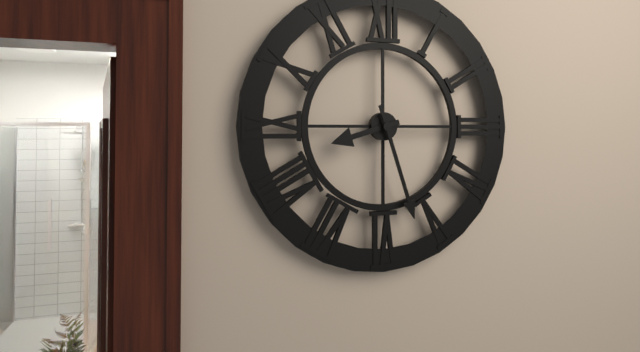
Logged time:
8:27
